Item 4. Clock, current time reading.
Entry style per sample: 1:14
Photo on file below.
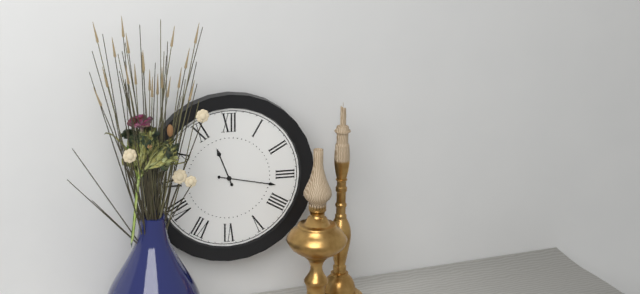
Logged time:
11:17
